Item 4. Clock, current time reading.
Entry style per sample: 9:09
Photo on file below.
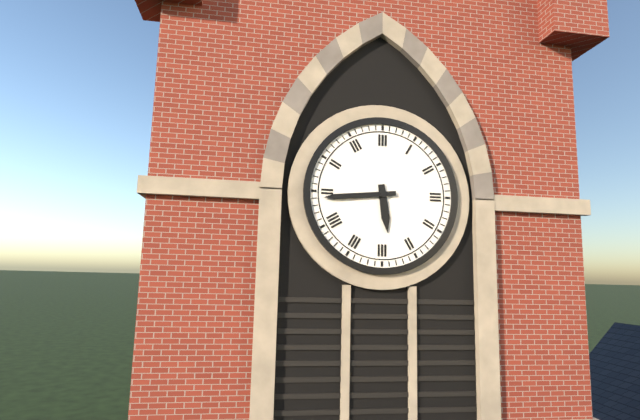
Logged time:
5:44
